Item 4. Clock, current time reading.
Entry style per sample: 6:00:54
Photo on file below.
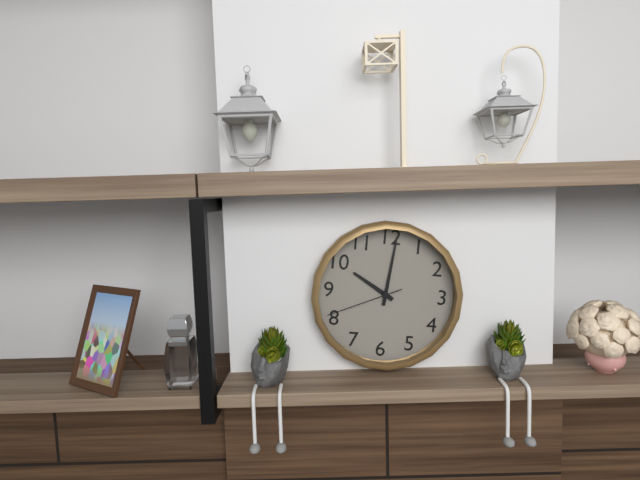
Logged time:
10:01:41
